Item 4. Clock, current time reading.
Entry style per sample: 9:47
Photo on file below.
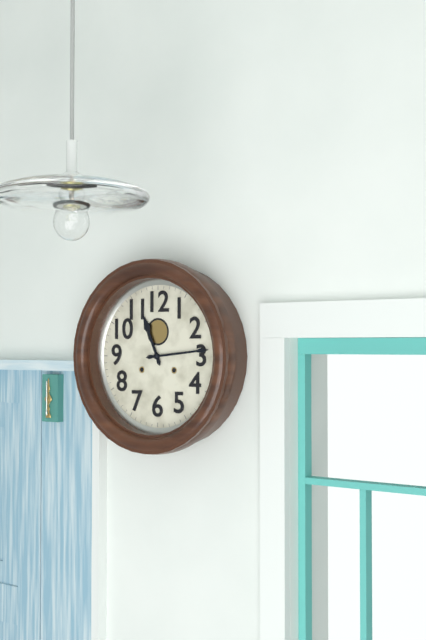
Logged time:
11:14
